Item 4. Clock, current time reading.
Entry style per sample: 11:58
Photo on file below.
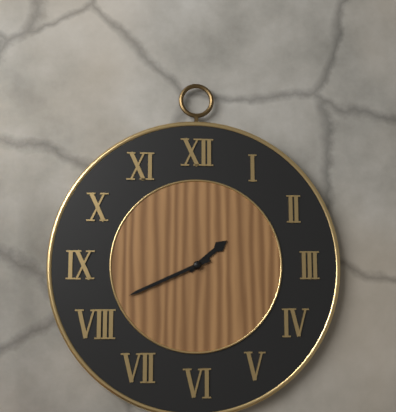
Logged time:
1:41
